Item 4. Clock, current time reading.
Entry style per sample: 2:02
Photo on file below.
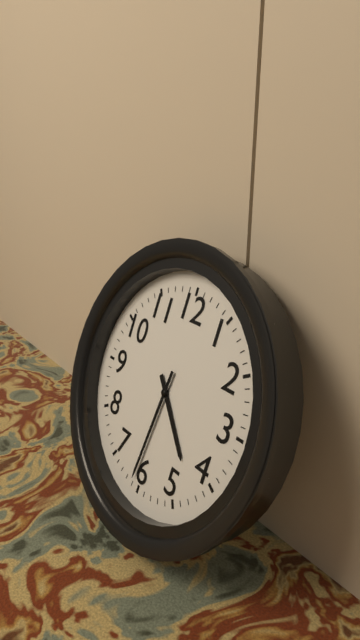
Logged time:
4:31
